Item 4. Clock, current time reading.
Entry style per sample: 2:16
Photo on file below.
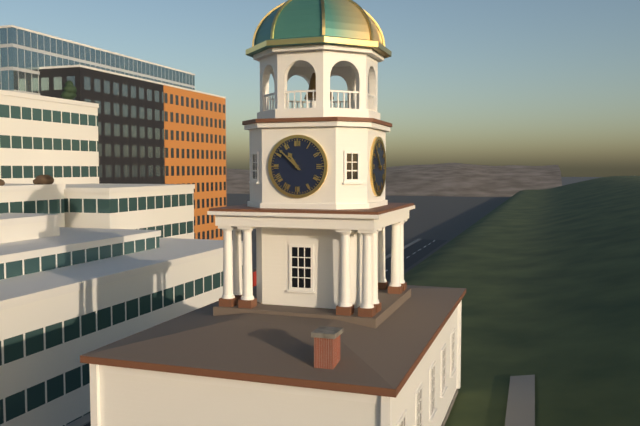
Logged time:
10:52
